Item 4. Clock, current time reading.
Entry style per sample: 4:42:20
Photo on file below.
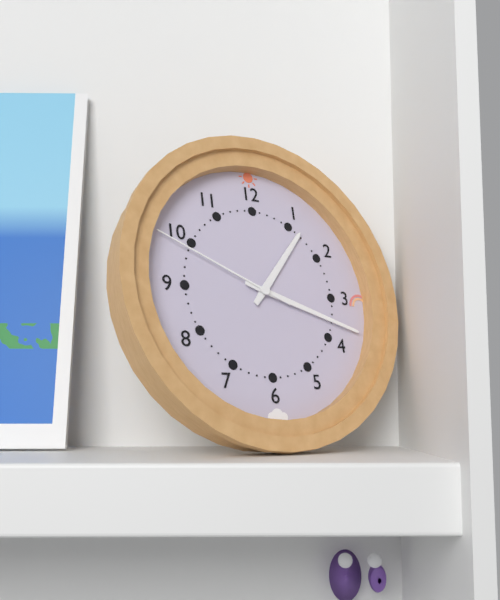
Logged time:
1:18:49
